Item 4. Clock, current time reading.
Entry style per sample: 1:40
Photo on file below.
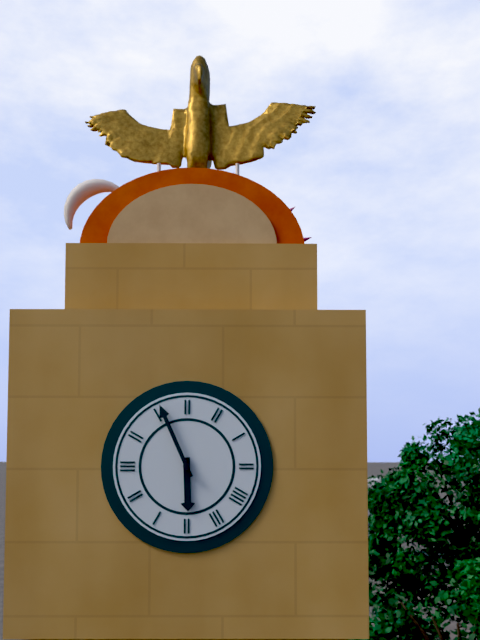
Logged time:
5:56
